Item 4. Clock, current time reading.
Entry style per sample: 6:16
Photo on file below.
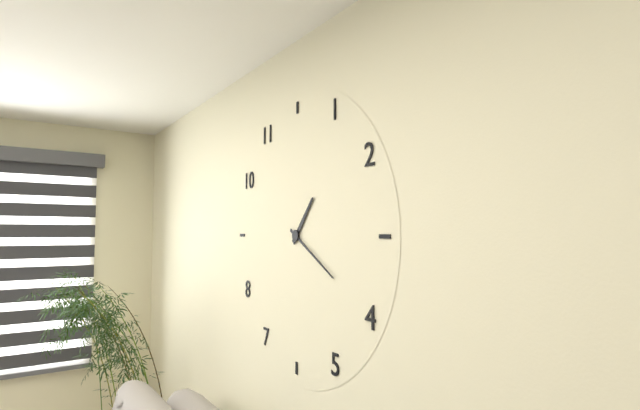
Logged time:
1:20
